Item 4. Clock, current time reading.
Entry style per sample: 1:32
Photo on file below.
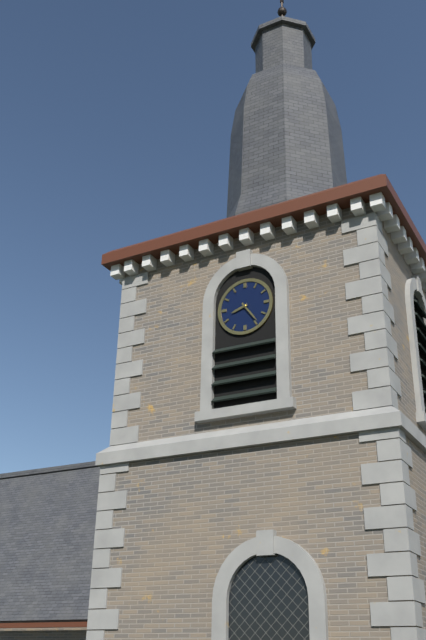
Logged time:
8:24
